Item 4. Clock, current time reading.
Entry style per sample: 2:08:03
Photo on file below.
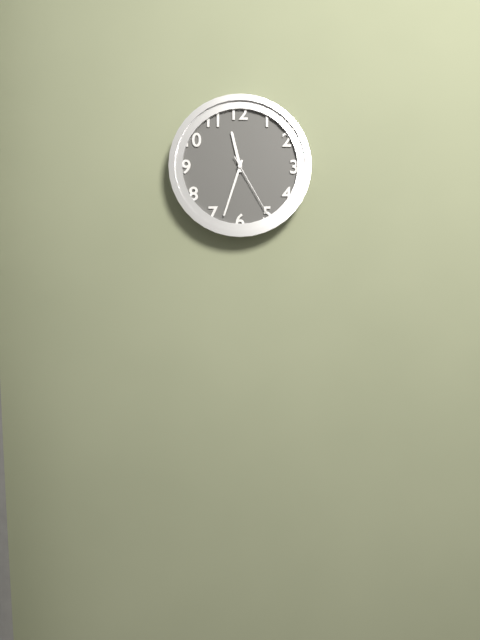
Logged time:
11:33:25
